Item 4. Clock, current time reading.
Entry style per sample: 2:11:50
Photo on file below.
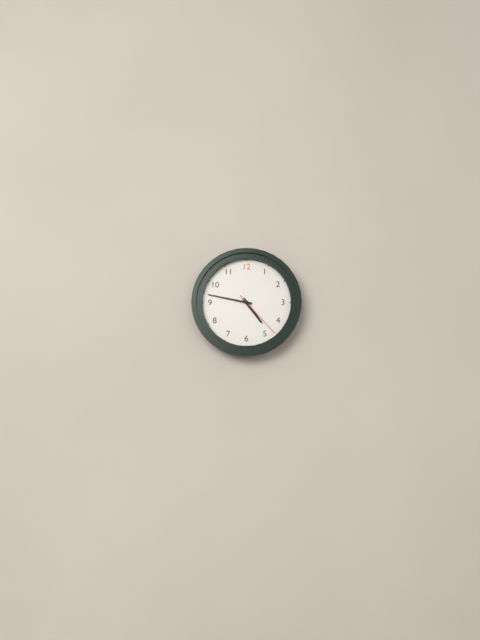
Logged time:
4:47:23
